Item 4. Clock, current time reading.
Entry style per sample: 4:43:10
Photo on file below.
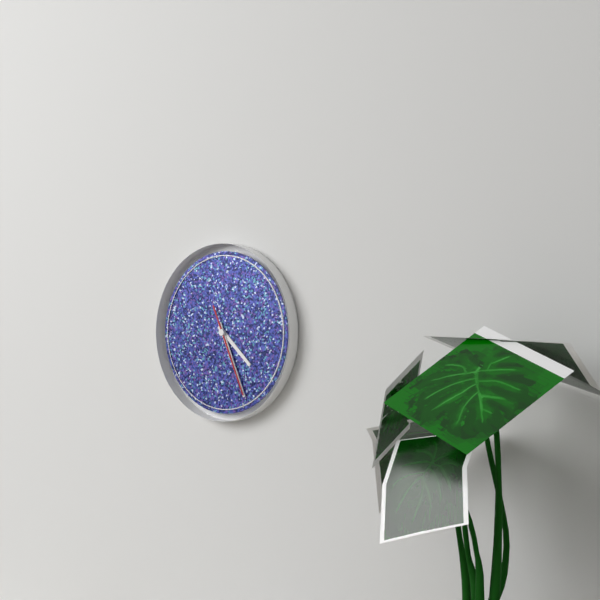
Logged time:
4:26:26
